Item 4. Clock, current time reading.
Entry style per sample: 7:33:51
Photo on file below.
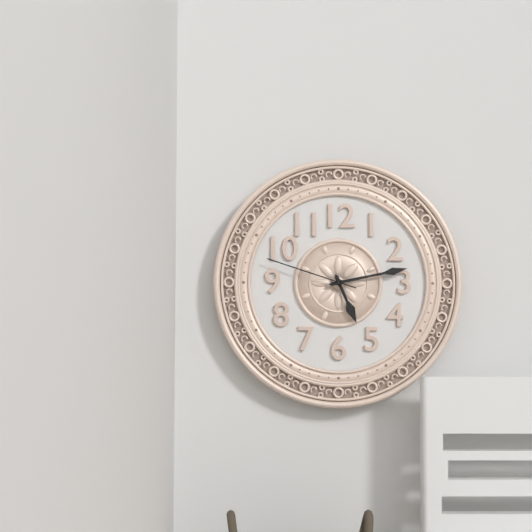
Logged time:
5:13:48
